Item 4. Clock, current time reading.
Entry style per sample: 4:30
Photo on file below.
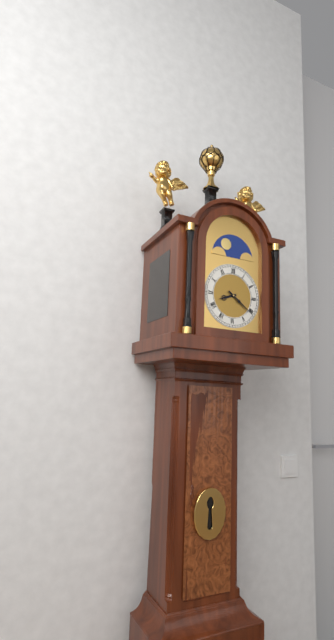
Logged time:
8:21
